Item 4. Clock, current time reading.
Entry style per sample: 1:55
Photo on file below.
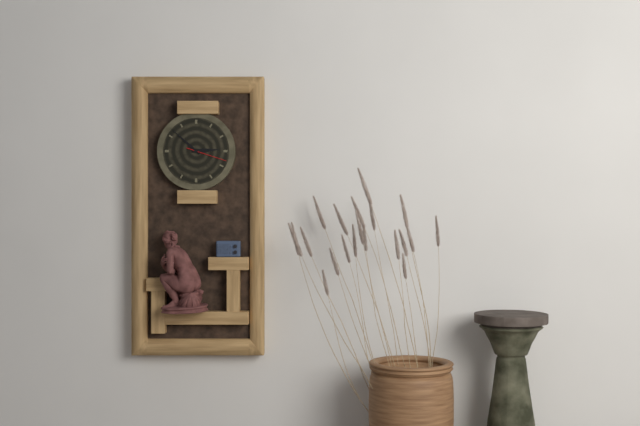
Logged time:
2:52
